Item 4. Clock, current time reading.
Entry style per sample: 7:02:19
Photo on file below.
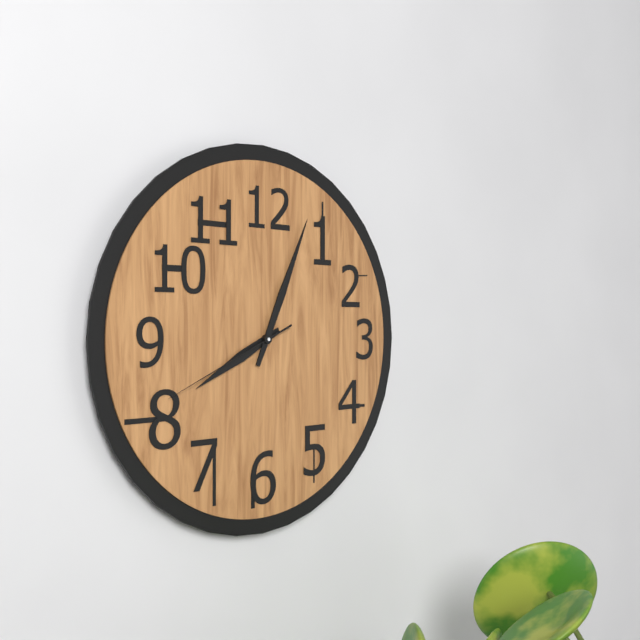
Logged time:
8:04:41
